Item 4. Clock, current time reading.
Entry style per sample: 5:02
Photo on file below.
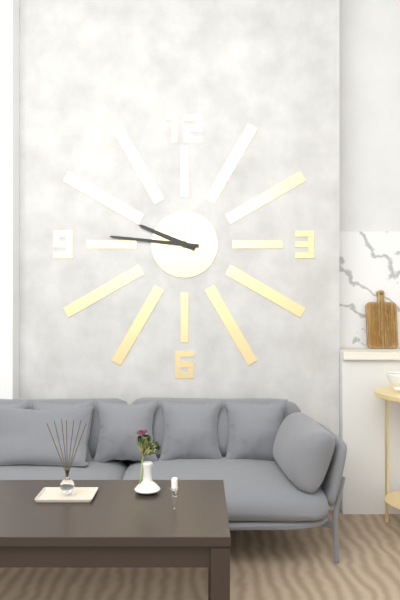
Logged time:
9:46
